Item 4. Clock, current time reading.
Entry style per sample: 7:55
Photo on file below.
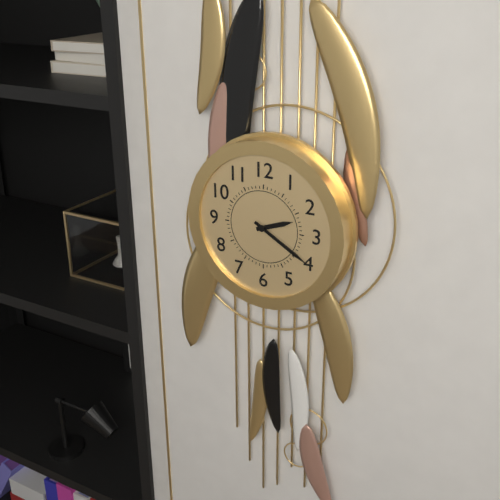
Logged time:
2:20
